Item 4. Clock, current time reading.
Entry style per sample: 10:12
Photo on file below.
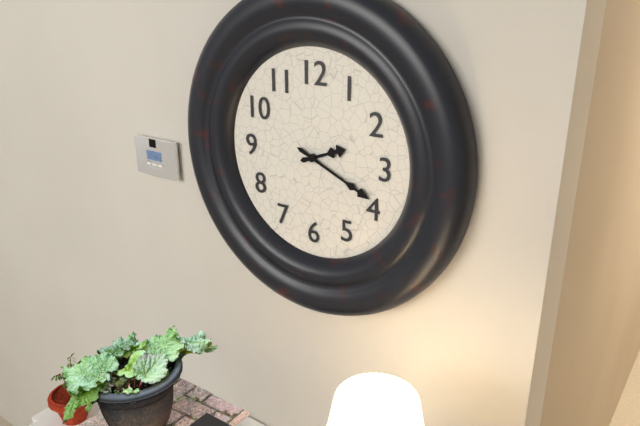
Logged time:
2:19
